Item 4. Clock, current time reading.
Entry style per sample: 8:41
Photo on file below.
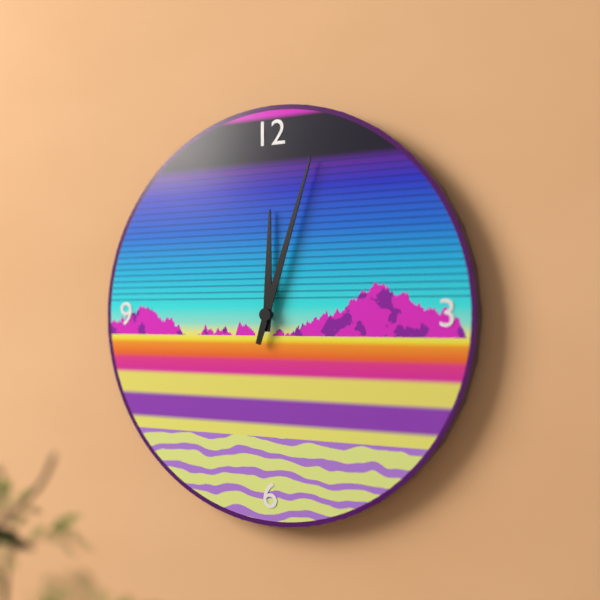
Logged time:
12:03
